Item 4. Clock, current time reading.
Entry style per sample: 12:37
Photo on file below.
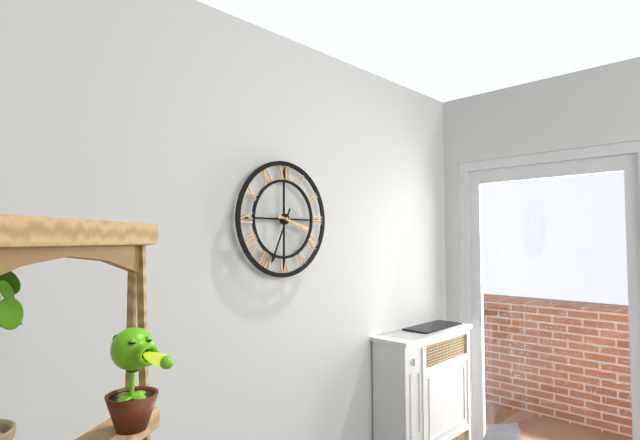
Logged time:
3:34
